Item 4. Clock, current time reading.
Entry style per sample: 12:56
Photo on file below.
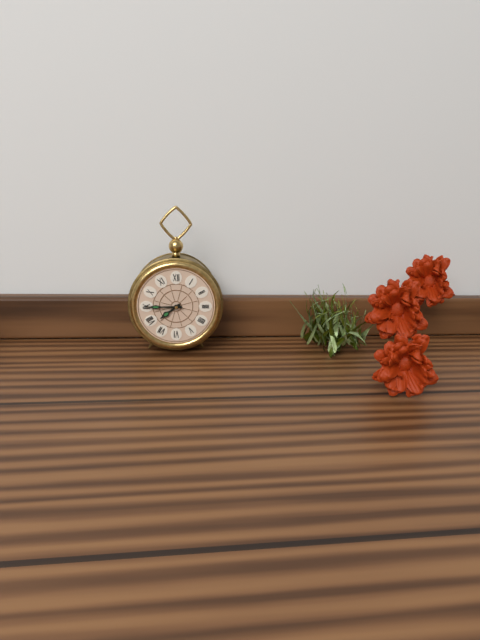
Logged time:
7:45
